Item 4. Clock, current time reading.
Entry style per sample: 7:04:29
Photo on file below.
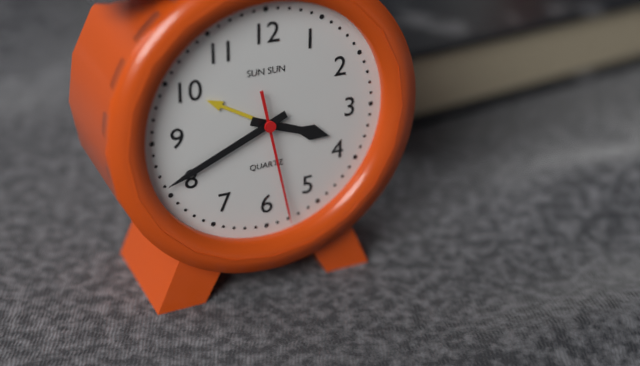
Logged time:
3:41:28
